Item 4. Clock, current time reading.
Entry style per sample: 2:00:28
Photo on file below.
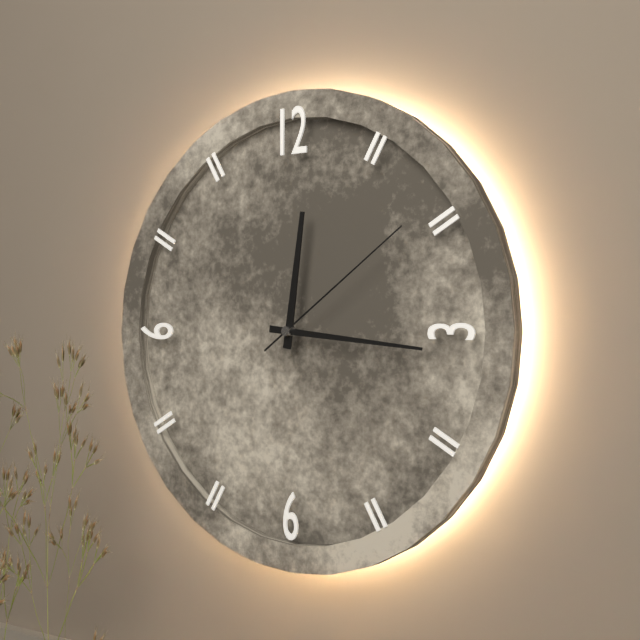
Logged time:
12:16:09
